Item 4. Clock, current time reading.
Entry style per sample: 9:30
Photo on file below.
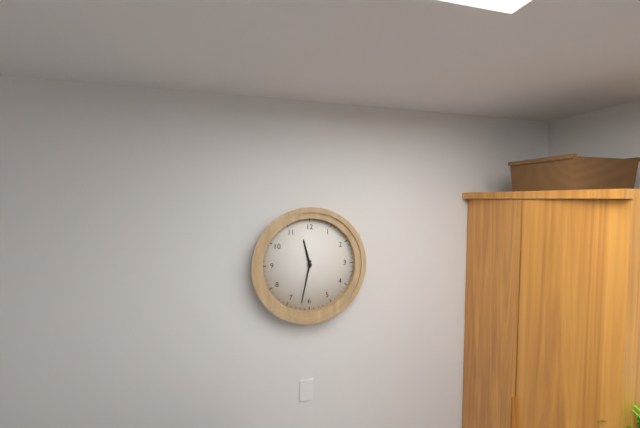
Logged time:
11:32
